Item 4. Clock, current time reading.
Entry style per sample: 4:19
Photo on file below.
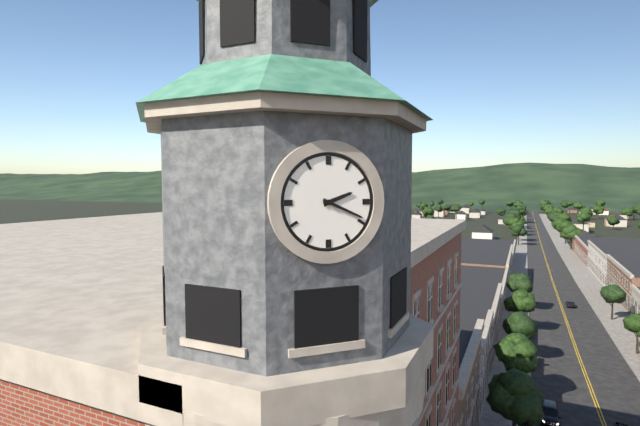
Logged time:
2:19
